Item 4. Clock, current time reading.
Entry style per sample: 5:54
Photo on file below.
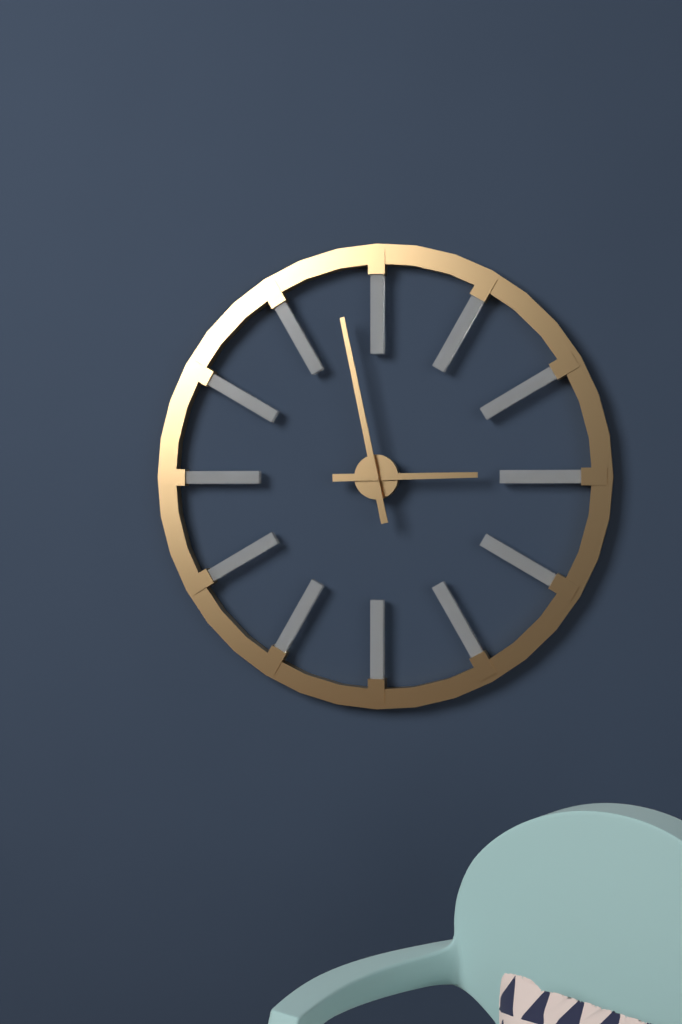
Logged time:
2:58
